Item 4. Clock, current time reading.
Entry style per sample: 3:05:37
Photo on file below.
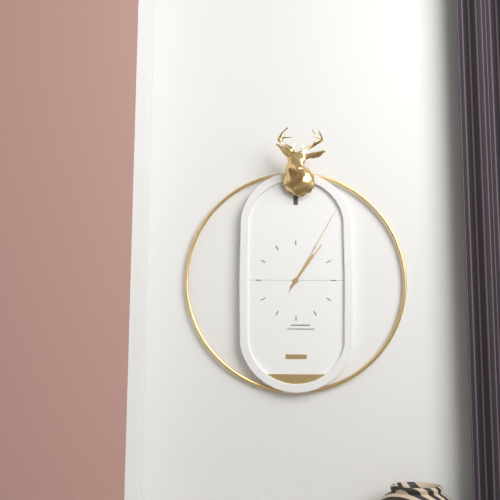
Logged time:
1:06:05
